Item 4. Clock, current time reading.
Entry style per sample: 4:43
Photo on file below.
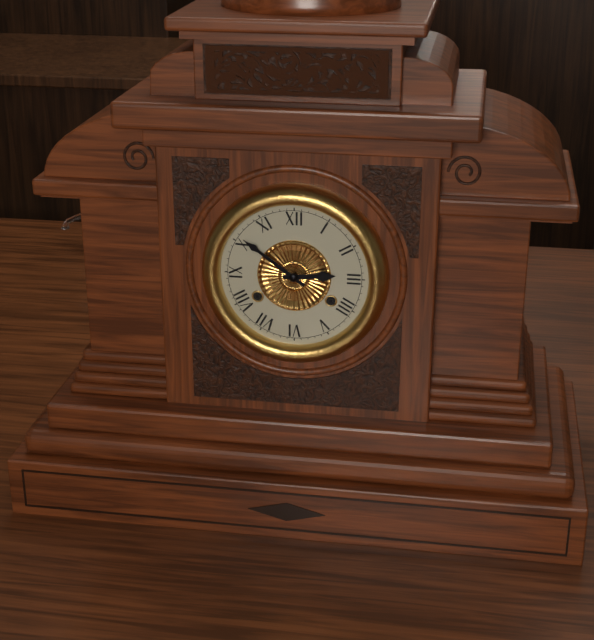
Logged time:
2:51
